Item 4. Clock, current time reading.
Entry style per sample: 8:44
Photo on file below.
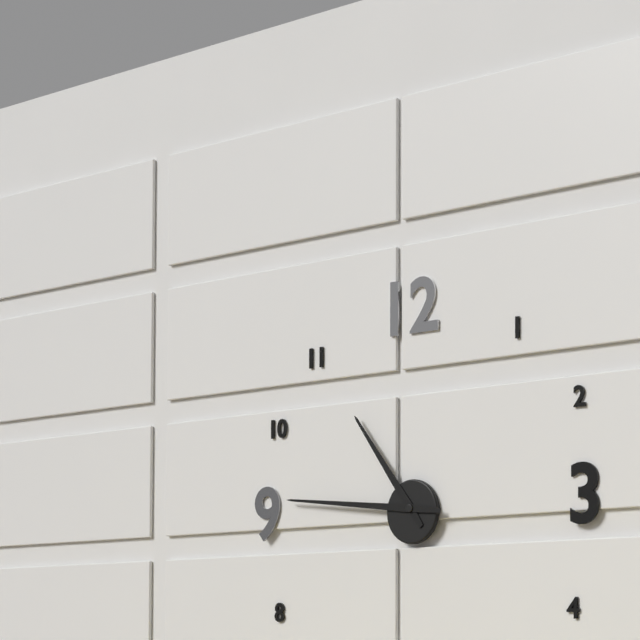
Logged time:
10:46
